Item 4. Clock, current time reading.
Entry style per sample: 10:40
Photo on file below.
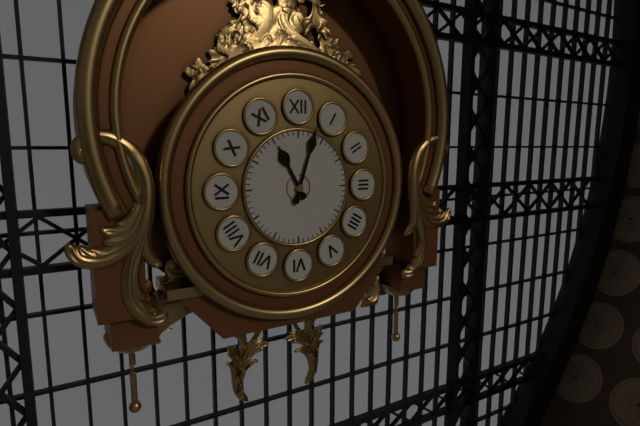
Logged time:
11:03
